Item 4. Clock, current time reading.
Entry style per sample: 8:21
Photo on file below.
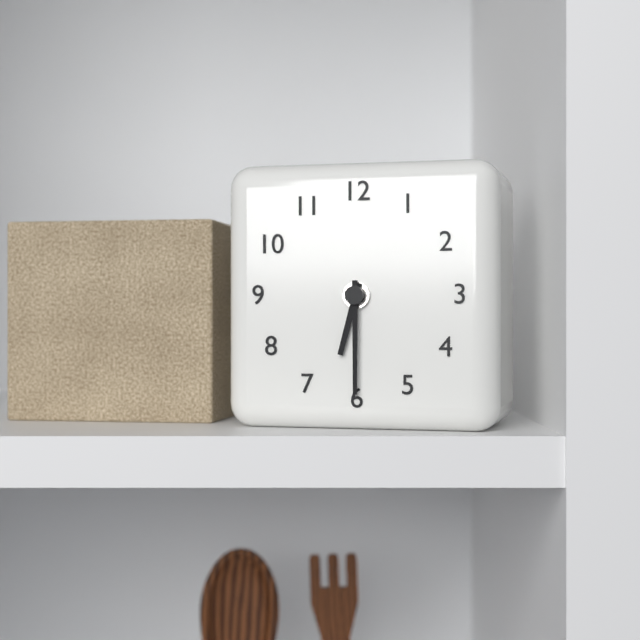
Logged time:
6:30
